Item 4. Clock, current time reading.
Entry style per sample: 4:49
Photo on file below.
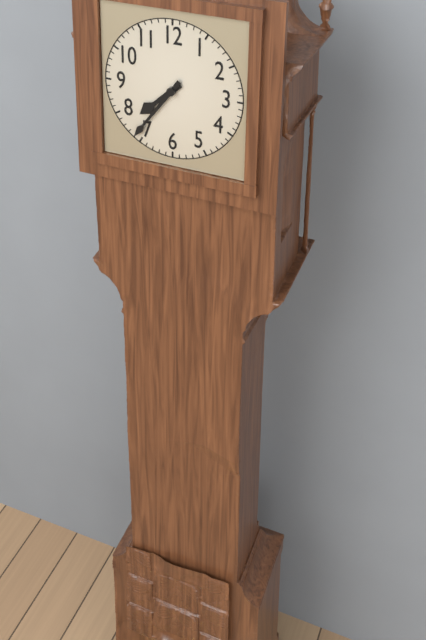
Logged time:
7:36
